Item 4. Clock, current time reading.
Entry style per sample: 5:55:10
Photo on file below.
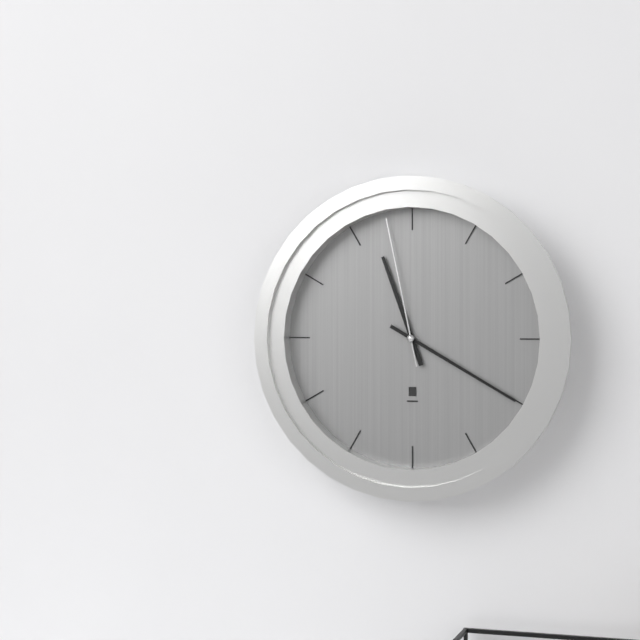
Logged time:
11:20:58
